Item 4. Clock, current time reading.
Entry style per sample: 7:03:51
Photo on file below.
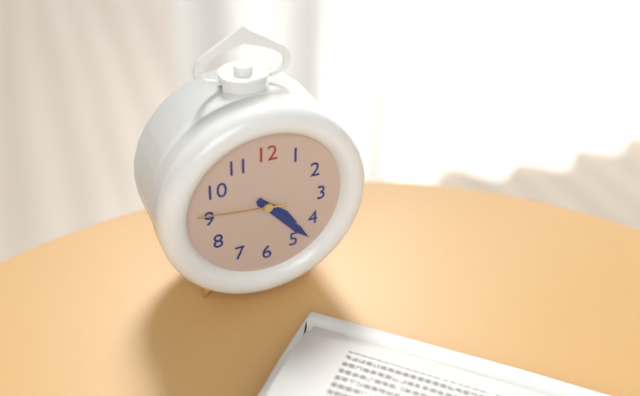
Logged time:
4:23:46
